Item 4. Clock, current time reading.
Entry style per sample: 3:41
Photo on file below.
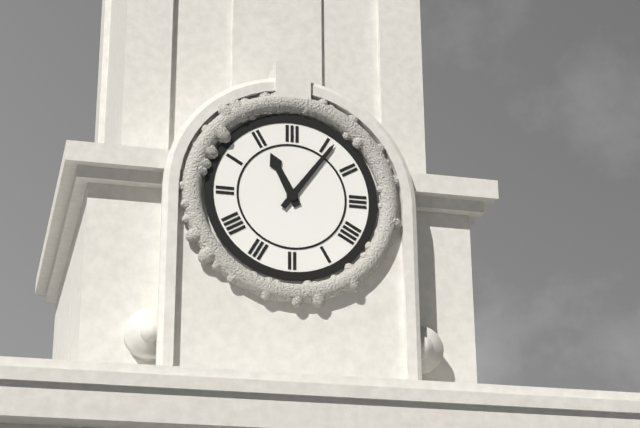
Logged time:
11:06
